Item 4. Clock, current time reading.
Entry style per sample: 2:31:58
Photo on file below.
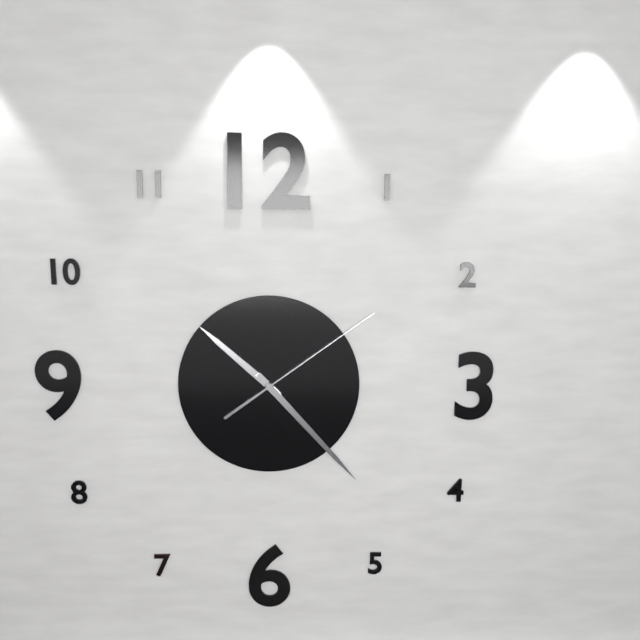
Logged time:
10:23:09
